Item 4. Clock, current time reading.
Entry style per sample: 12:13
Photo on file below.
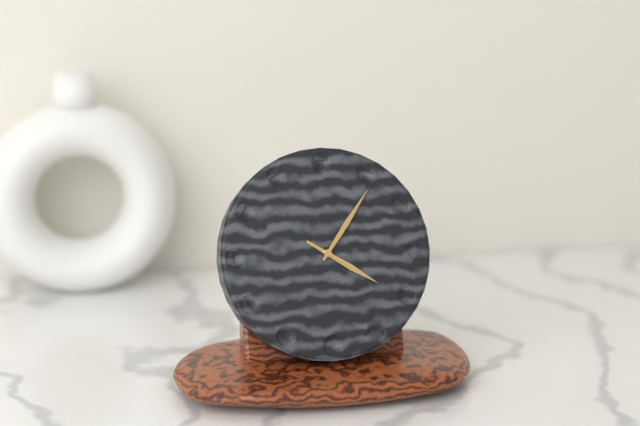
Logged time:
4:06
